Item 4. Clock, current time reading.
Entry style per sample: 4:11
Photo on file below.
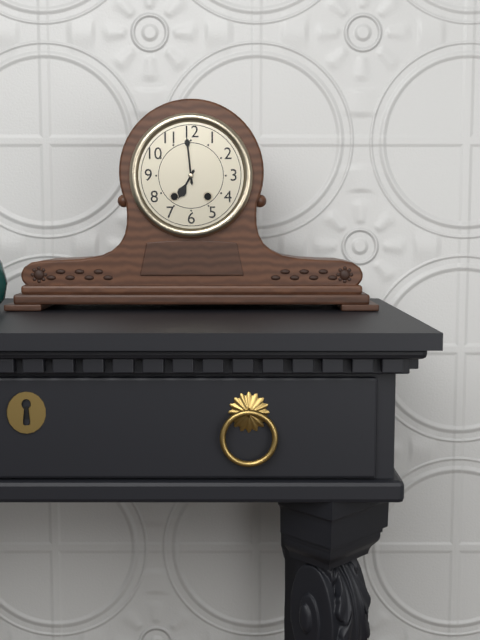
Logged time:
6:59
